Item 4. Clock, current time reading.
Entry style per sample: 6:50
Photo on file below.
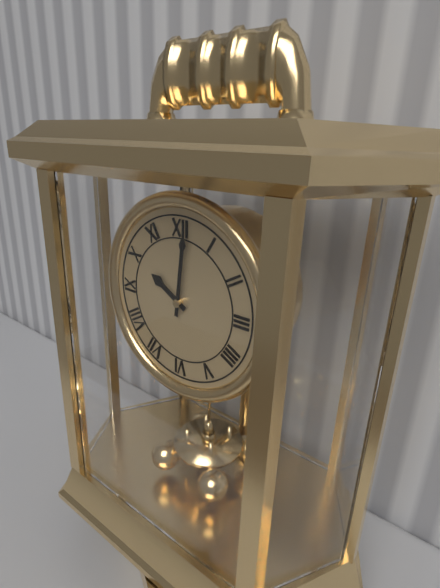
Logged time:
10:01
